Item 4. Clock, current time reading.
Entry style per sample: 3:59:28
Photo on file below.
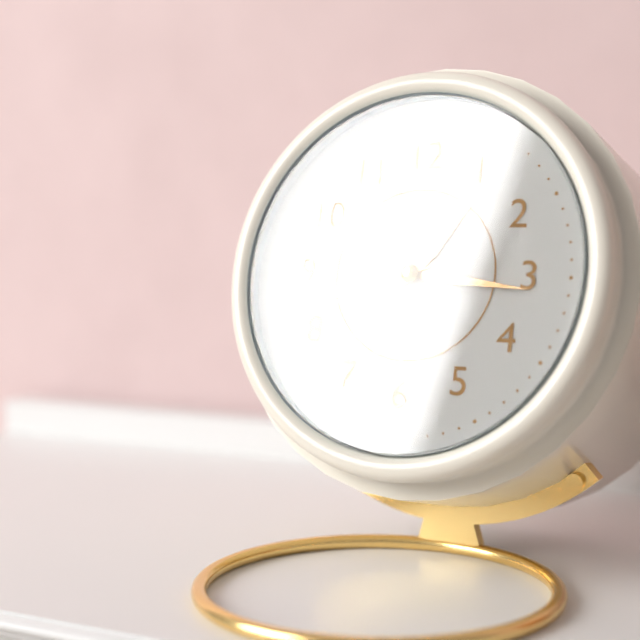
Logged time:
1:16:42
